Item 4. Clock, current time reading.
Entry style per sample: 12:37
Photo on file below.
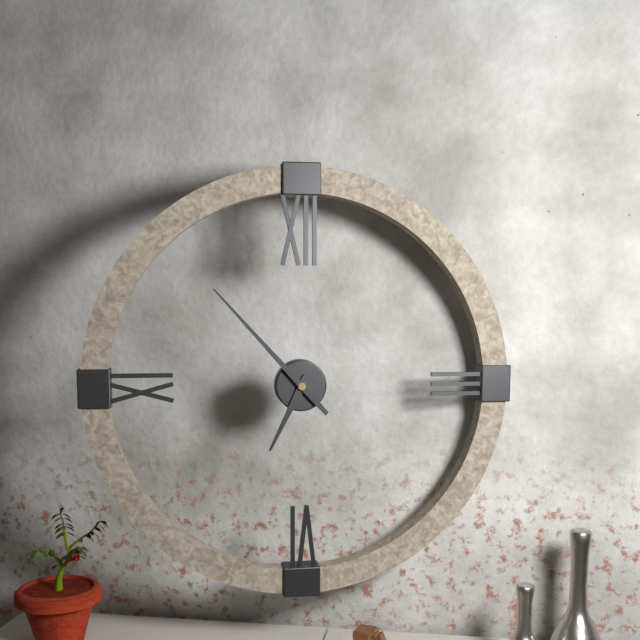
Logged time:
6:53
